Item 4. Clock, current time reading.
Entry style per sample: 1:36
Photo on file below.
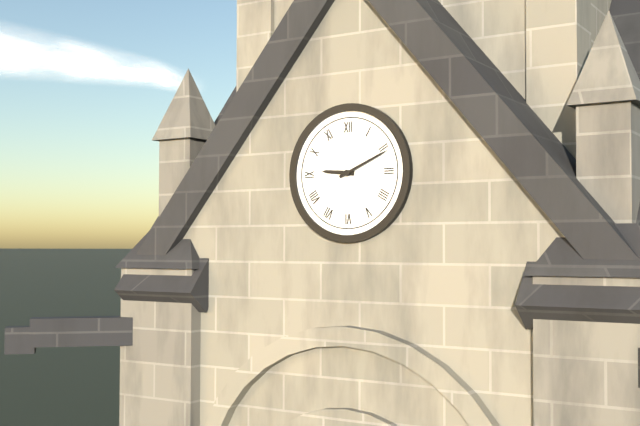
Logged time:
9:11
